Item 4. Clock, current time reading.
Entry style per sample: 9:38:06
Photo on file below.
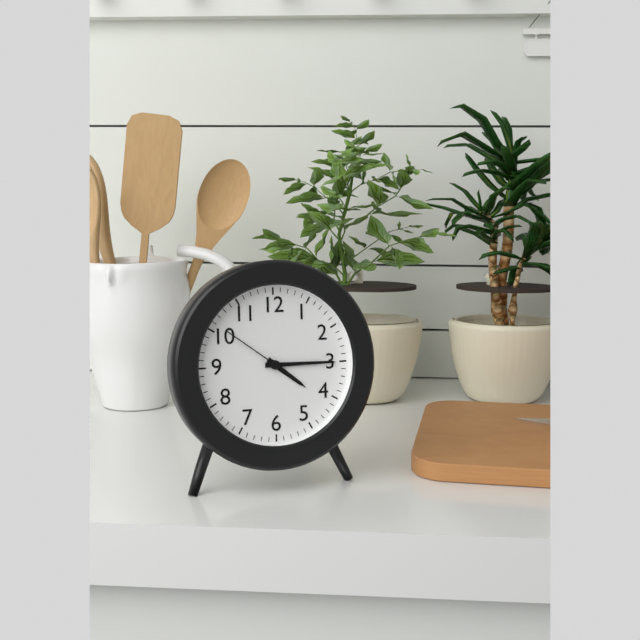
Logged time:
4:15:51
